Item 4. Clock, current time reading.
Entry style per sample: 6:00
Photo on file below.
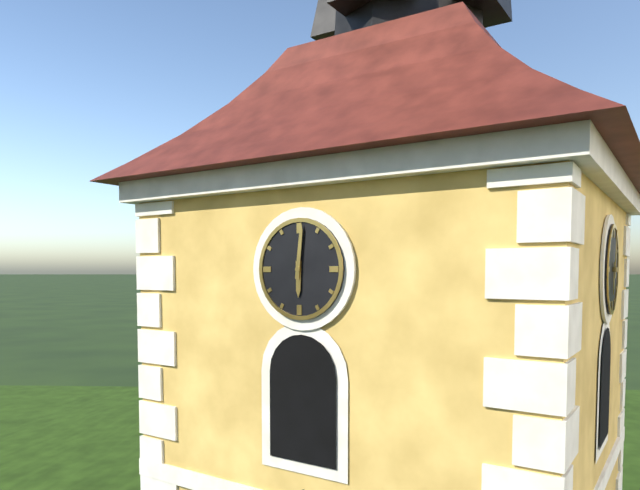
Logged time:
6:01
